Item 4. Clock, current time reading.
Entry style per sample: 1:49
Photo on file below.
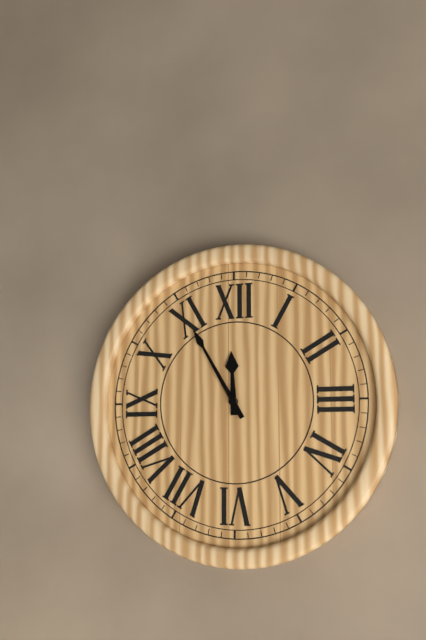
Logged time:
11:55
